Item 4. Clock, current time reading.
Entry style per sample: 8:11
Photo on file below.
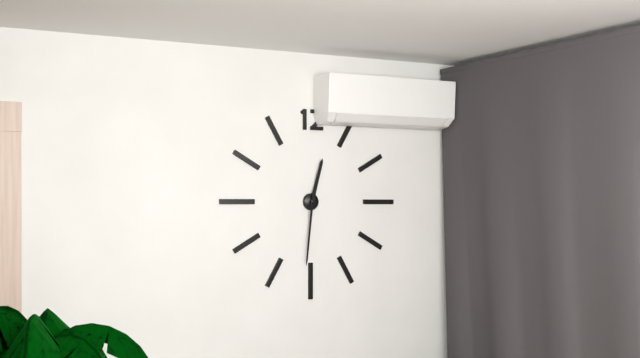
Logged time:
12:31
